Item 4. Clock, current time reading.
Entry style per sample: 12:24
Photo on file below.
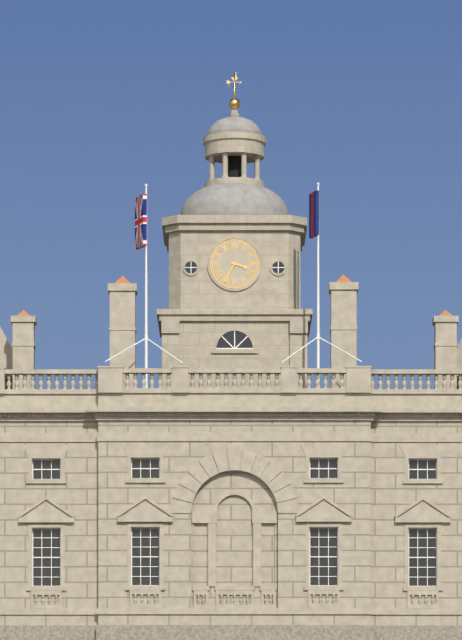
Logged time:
3:35
